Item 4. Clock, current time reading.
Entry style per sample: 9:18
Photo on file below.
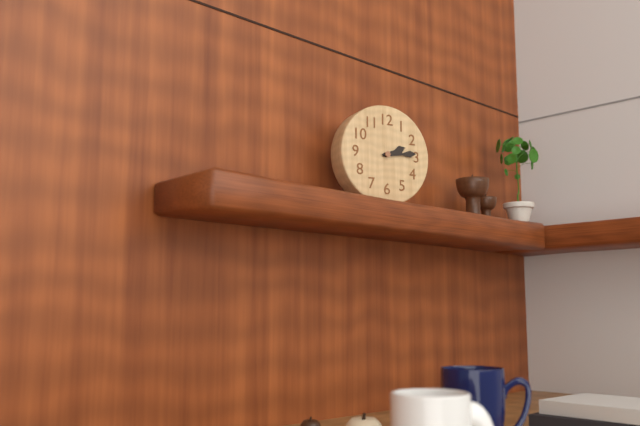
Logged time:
2:14
